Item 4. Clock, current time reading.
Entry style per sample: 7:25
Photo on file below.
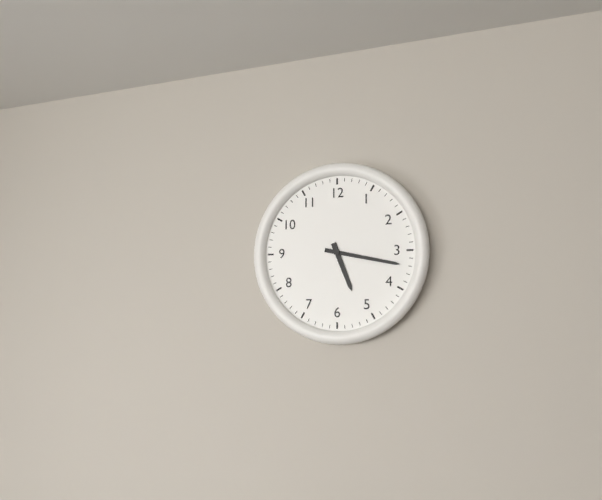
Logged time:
5:17
